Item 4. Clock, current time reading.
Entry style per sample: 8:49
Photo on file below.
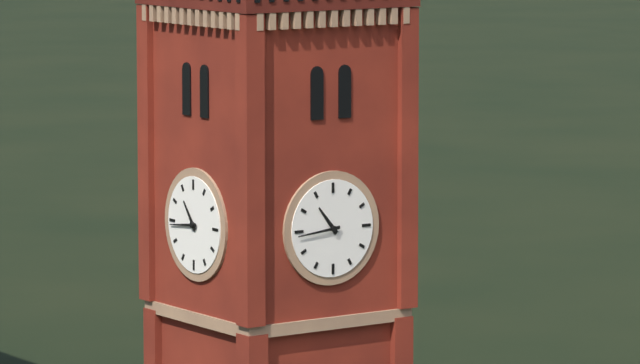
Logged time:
10:44
